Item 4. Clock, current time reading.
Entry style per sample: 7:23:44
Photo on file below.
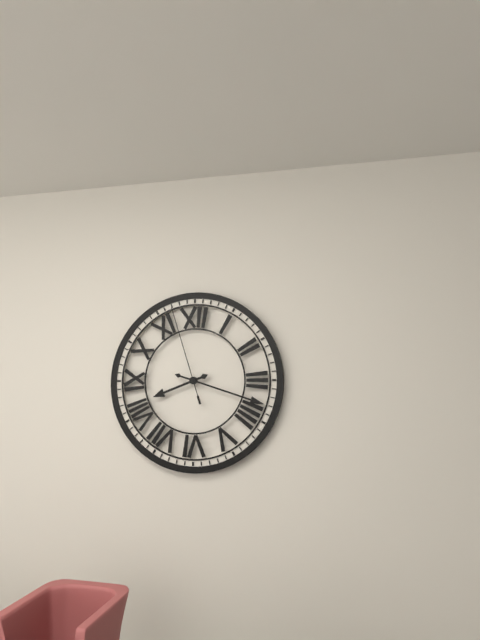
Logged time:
8:18:57
